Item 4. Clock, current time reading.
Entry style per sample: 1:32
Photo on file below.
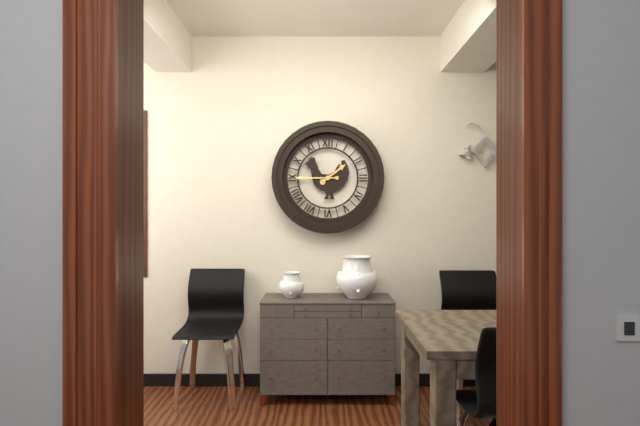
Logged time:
1:45
